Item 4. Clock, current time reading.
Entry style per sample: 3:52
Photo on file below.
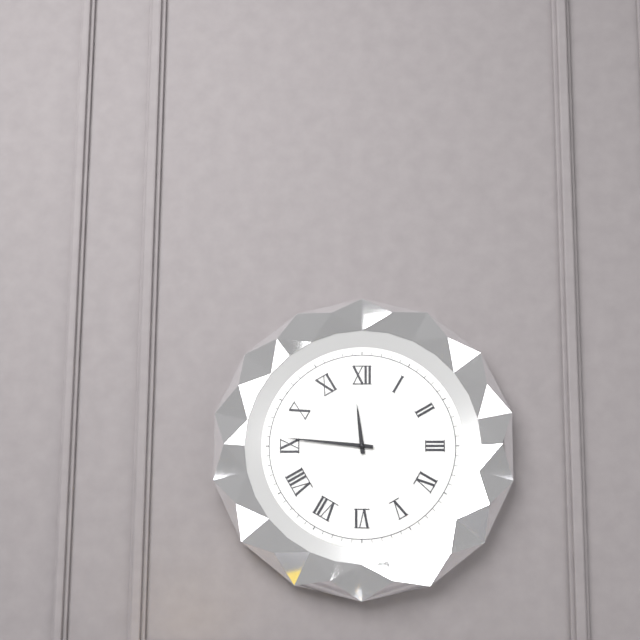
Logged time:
11:46
